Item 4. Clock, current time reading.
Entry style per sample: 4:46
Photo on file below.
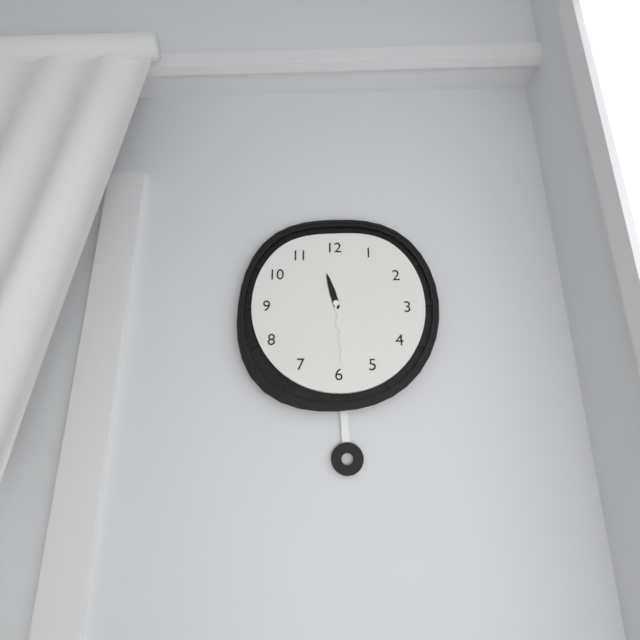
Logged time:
11:29
